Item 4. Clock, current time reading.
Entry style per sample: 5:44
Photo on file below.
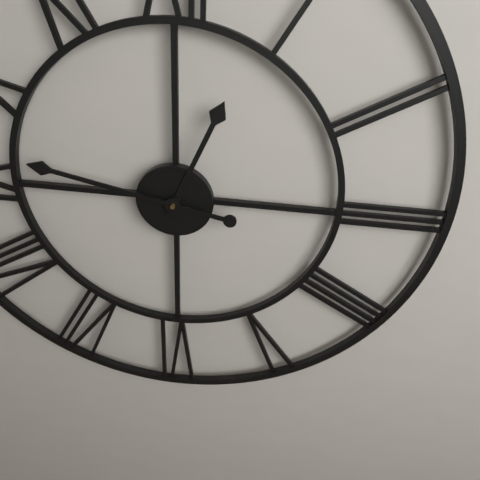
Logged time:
12:47
